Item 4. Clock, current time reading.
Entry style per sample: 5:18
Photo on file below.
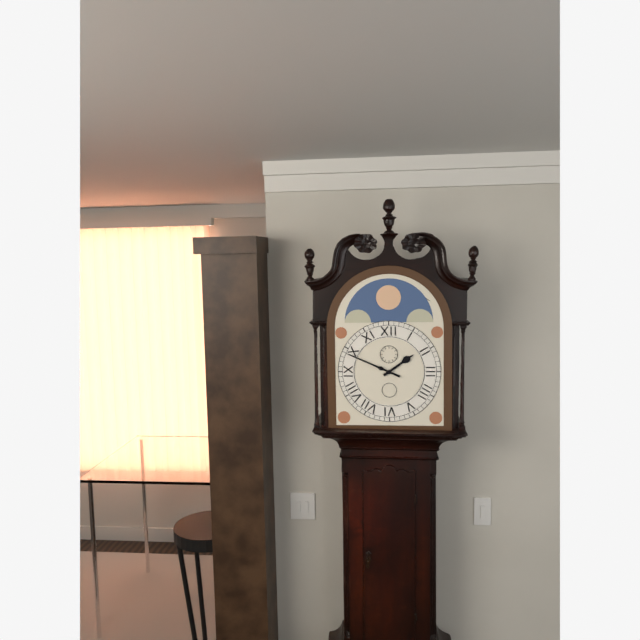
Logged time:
1:49
